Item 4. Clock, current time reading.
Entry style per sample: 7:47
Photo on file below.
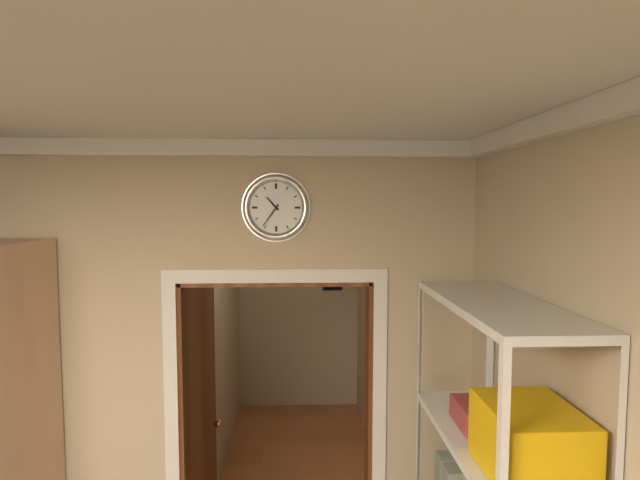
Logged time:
10:36
